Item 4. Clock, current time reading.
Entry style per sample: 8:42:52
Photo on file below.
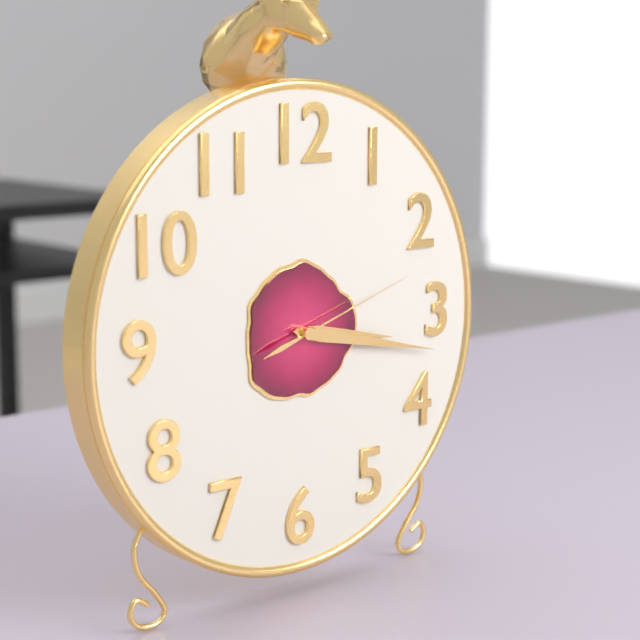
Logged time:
3:17:12
